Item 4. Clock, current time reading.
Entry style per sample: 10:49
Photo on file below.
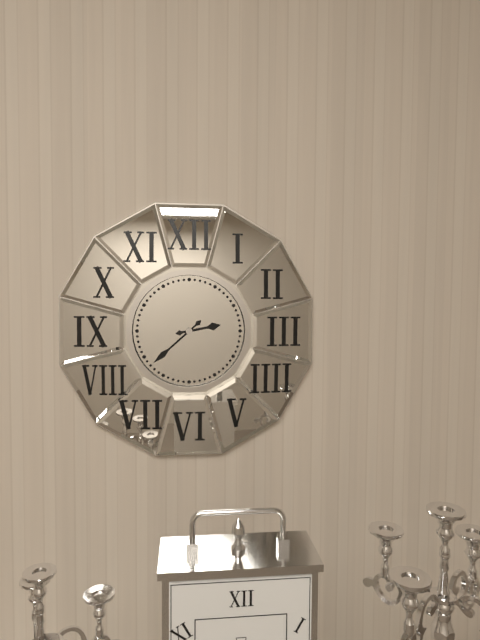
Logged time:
2:38
